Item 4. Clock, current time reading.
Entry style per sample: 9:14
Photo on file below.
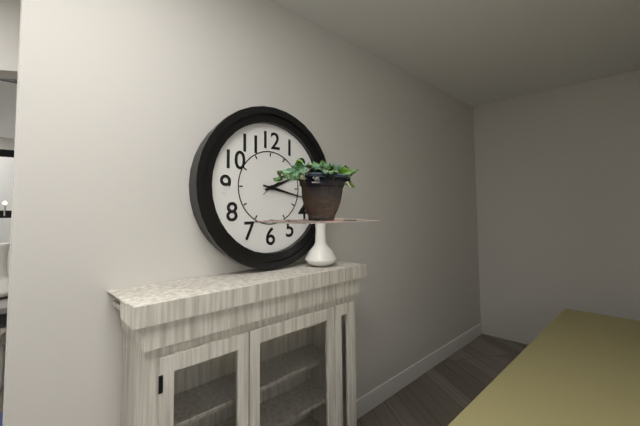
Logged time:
2:17
